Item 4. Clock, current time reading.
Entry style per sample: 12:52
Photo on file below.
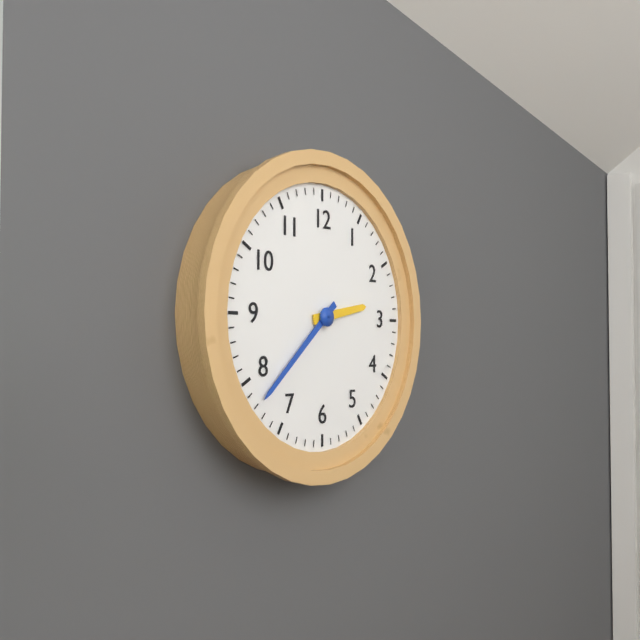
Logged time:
2:38
